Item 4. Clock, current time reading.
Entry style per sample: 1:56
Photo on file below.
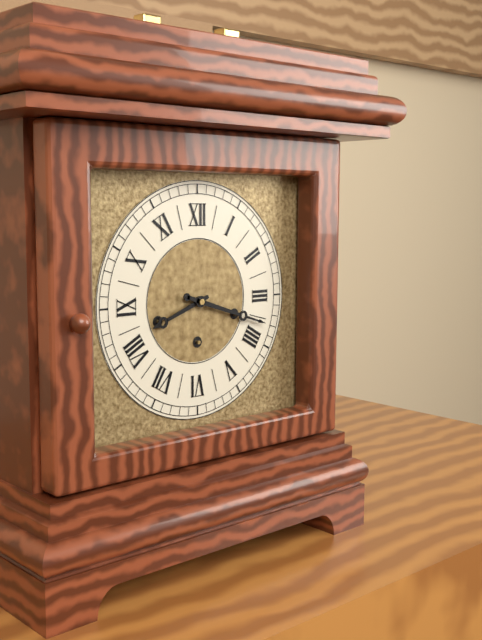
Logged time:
8:18
